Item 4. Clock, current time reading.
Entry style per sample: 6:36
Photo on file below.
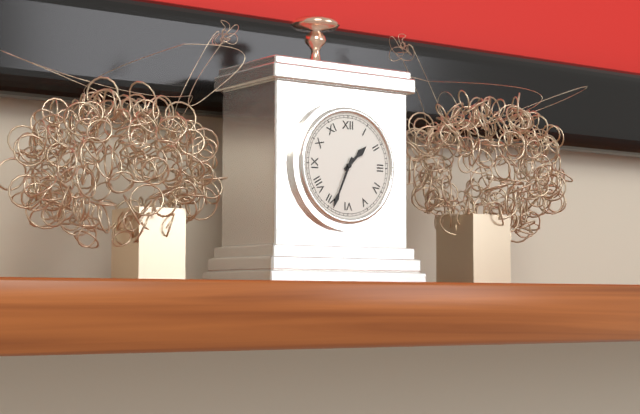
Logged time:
1:34
